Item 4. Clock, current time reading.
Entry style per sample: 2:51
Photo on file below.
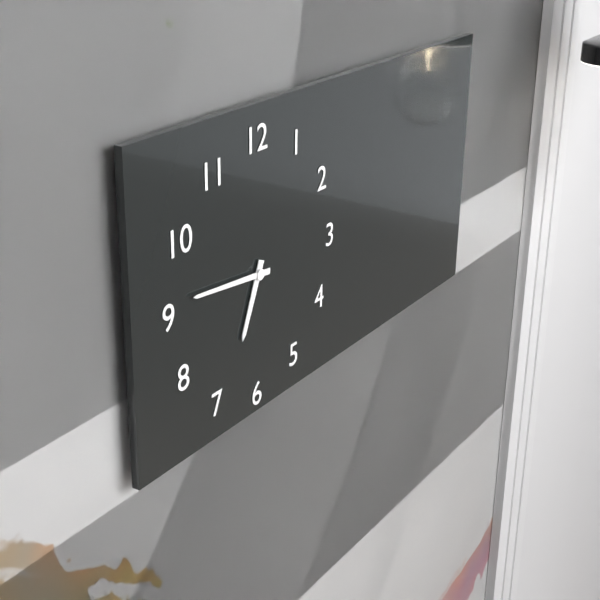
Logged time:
6:46
